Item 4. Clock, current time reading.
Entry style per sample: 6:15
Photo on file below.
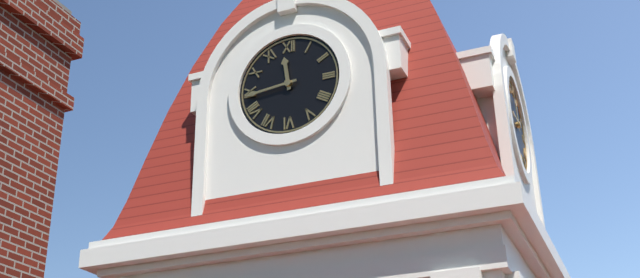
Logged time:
11:44
